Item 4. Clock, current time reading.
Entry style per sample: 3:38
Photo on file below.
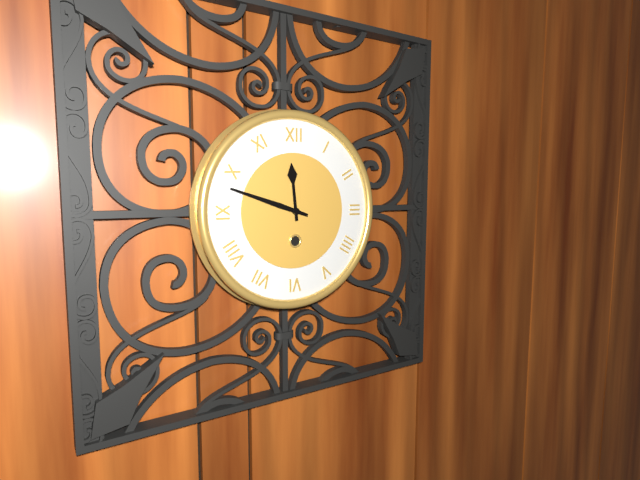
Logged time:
11:48
